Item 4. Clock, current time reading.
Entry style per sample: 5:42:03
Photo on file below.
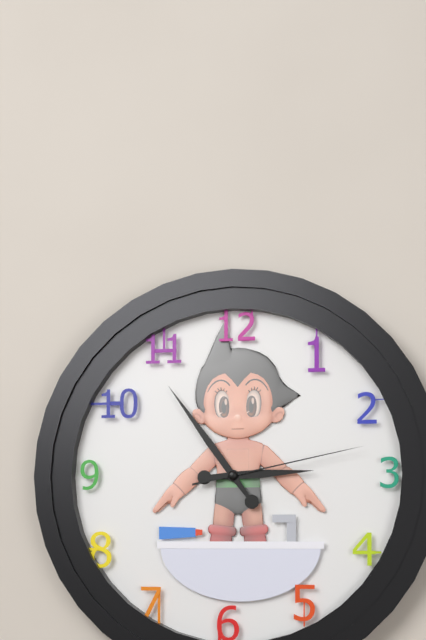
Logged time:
2:54:13
